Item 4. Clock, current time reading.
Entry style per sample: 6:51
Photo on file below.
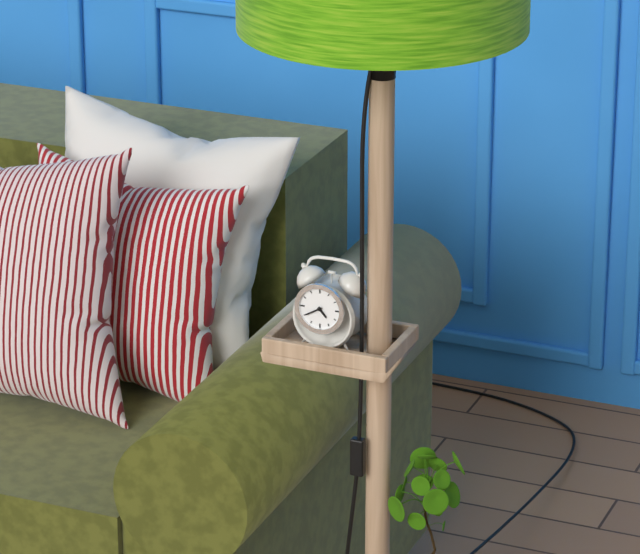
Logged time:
4:40
